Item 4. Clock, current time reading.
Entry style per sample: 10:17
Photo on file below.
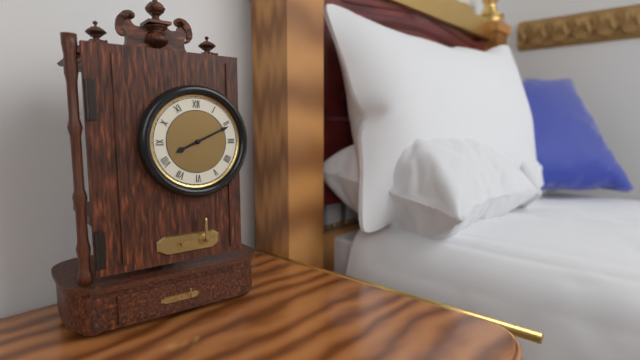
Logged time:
8:11
